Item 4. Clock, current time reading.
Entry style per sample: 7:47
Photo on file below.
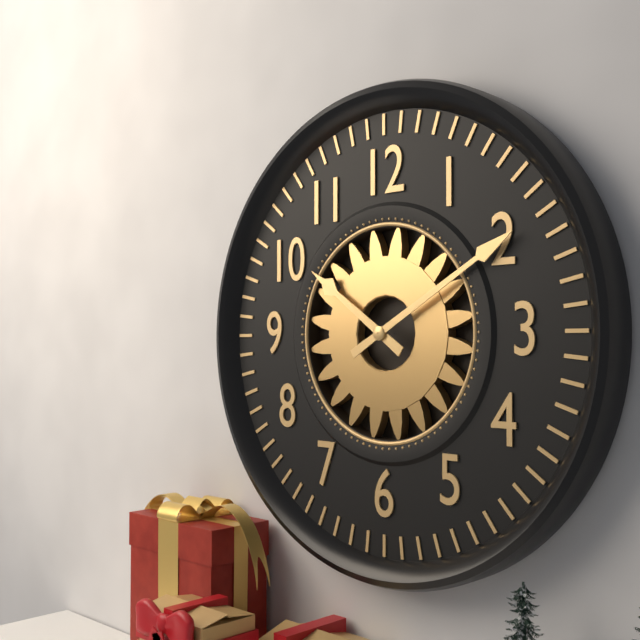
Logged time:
10:10
